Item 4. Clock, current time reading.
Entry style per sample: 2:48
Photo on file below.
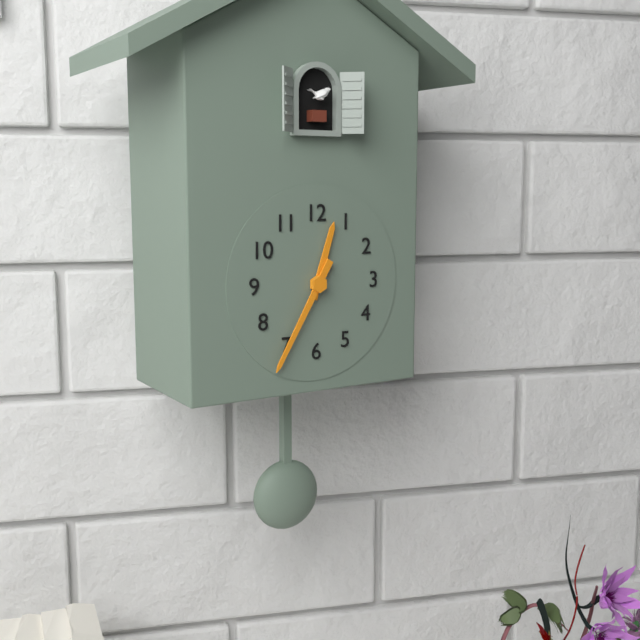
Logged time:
12:35
